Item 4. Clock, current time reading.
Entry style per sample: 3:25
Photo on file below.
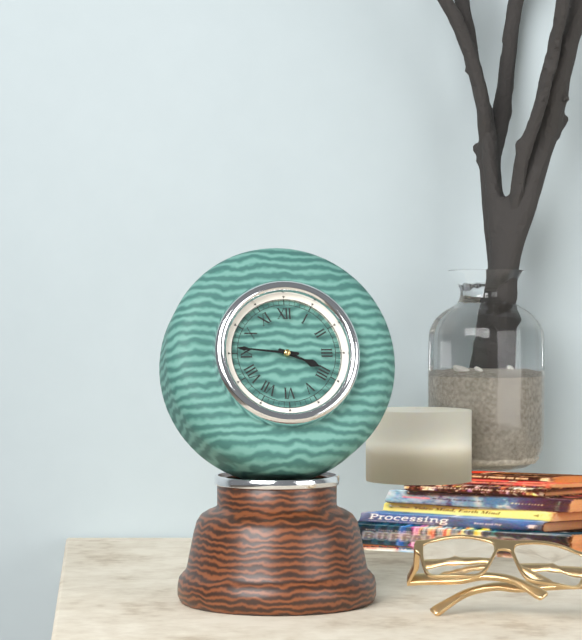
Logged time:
3:46
